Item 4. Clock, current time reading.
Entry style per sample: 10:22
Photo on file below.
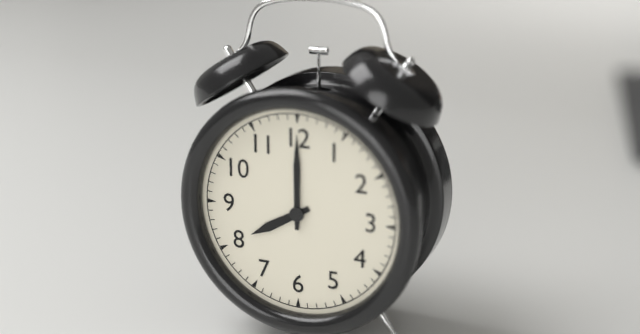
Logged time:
8:00
